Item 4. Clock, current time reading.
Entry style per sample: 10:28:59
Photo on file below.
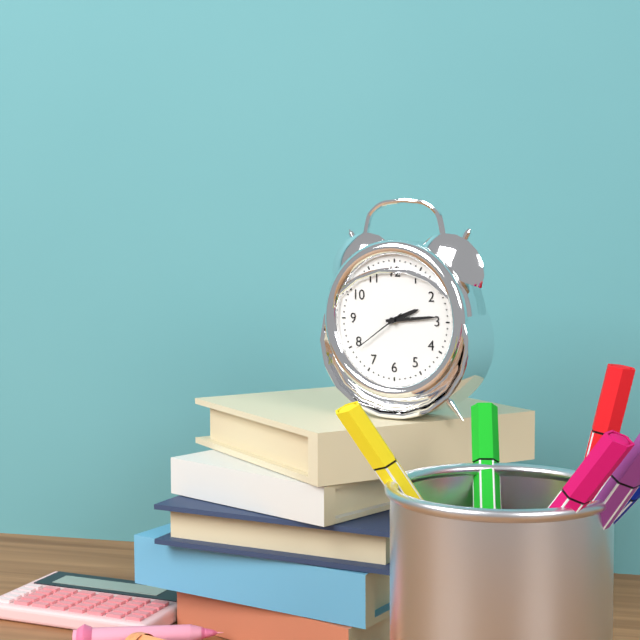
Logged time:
2:14:39
